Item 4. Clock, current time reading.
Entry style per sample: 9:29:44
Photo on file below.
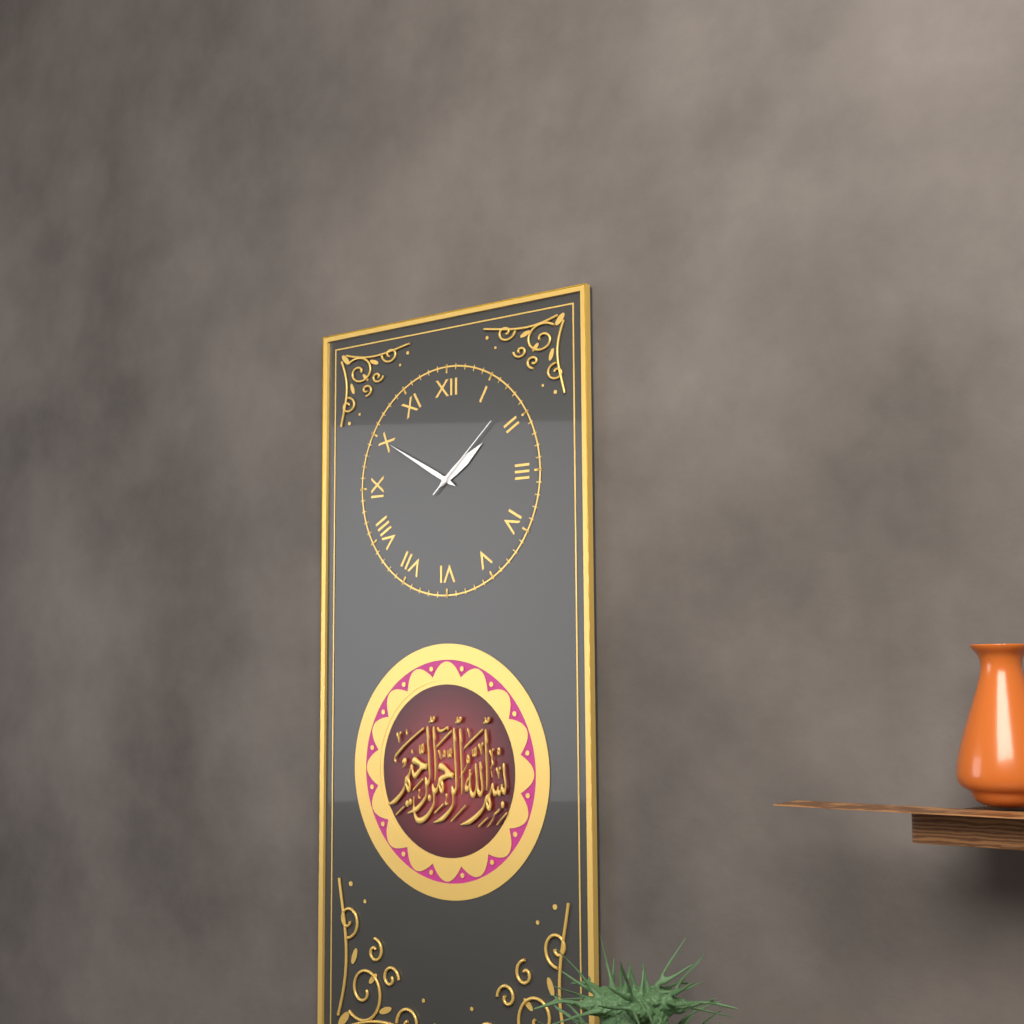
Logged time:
1:50:08
